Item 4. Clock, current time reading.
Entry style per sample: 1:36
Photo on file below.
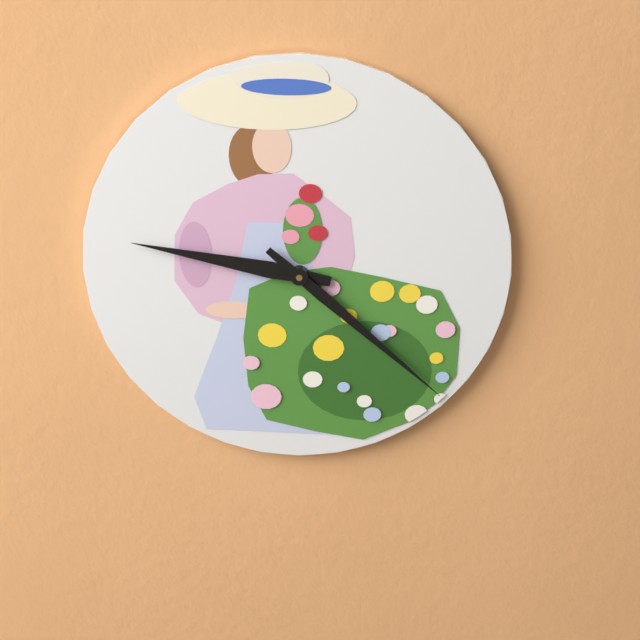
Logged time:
9:22
